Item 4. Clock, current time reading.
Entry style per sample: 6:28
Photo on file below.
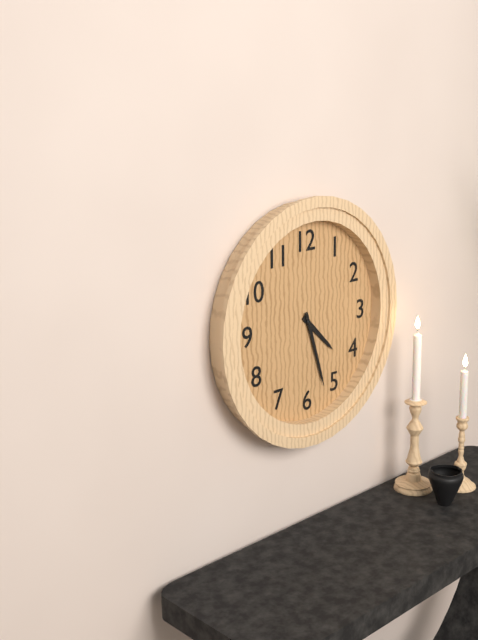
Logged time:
4:27
